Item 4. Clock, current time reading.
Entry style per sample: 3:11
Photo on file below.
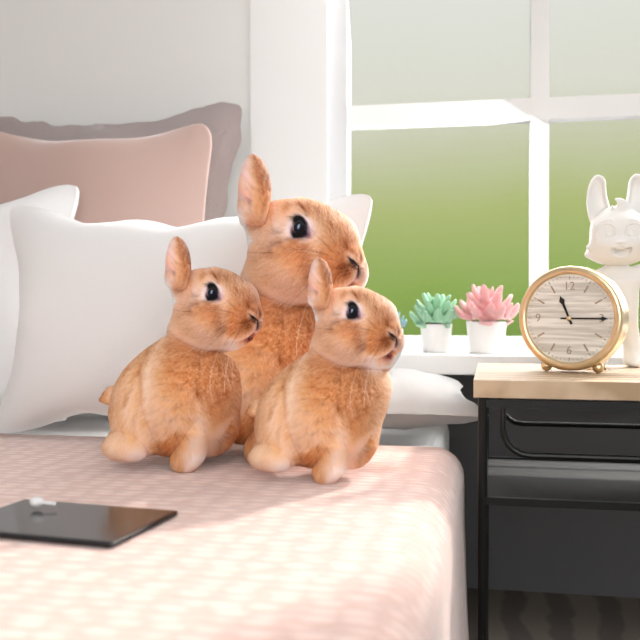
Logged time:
11:15
